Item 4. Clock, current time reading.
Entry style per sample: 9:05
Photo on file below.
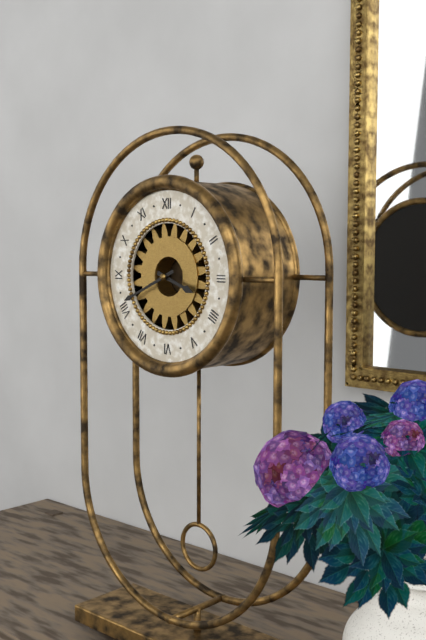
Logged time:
3:41
